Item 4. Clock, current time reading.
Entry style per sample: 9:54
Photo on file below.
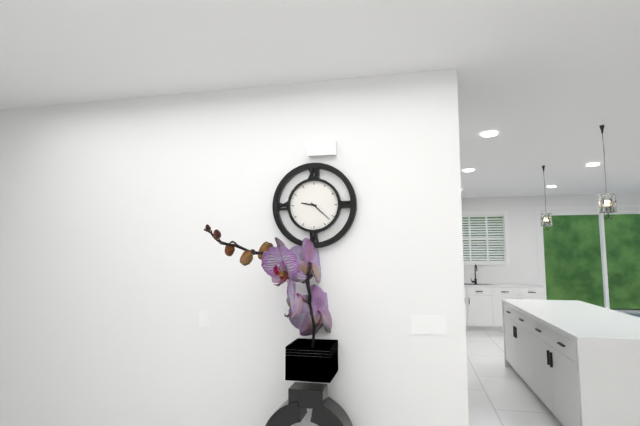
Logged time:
9:22
